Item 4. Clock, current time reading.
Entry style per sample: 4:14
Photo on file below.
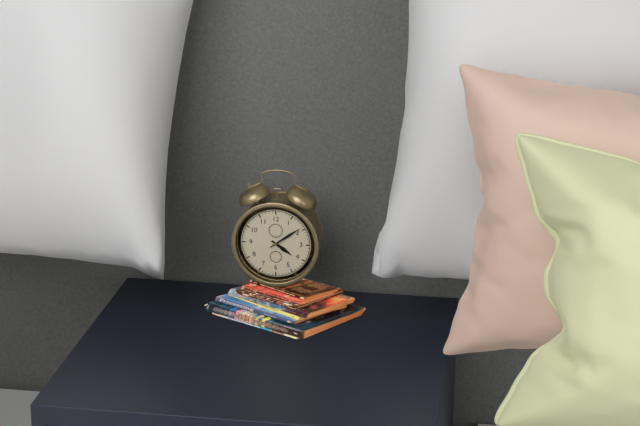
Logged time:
4:09
